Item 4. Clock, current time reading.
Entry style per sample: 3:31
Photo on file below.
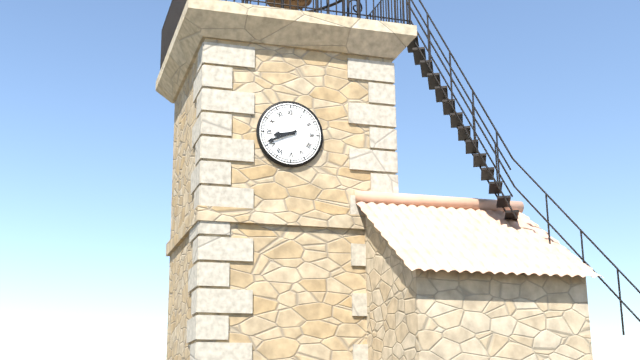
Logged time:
8:41
